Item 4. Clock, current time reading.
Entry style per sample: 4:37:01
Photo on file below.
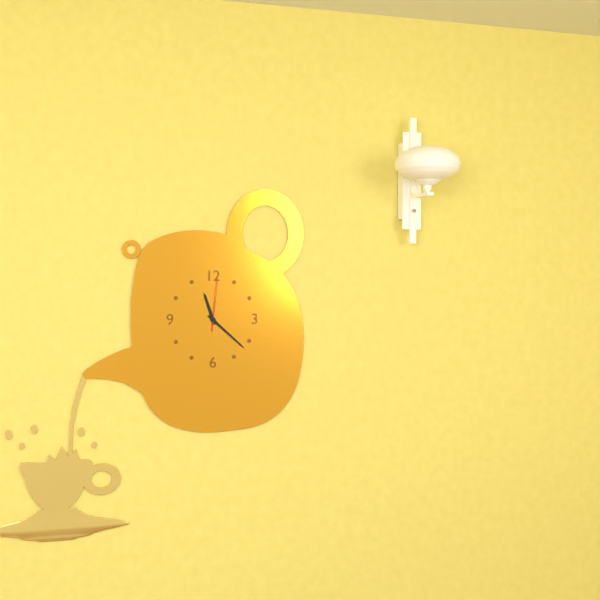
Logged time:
11:22:01
